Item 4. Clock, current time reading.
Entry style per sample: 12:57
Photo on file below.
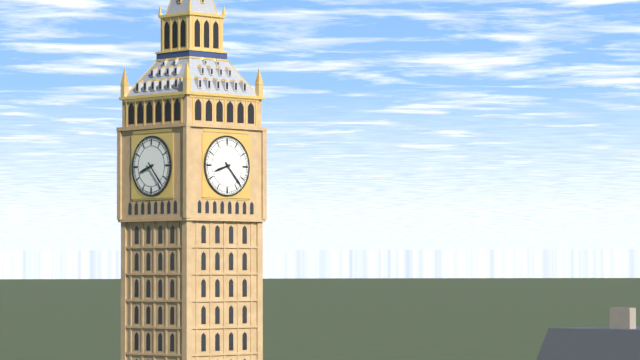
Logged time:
8:23
